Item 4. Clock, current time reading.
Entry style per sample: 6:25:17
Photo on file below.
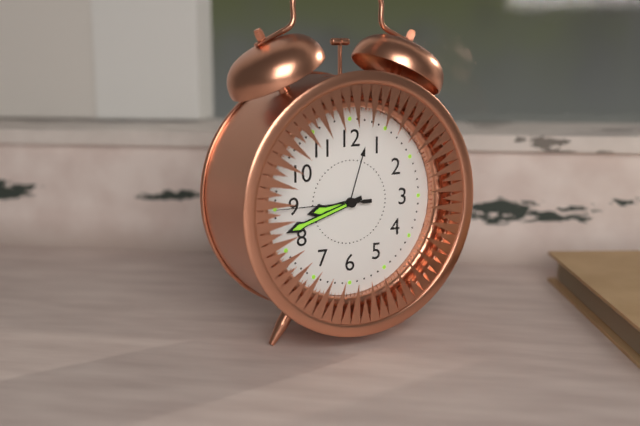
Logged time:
8:42:45
